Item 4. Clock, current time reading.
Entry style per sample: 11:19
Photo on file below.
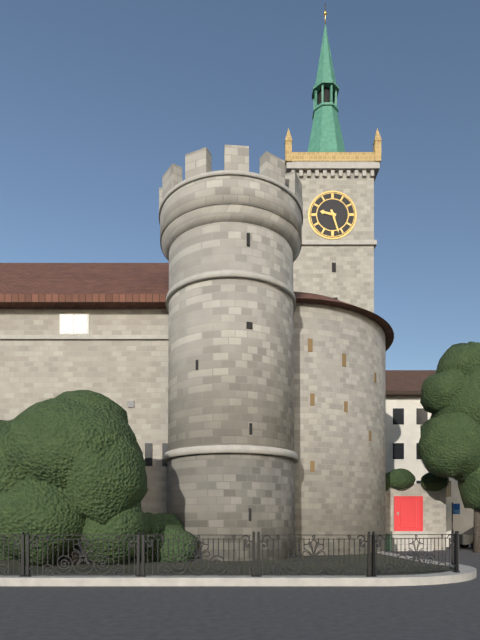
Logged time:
9:27
